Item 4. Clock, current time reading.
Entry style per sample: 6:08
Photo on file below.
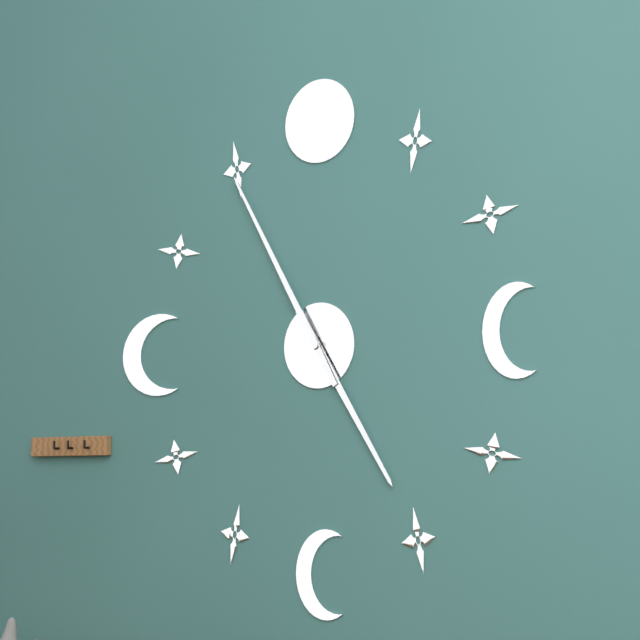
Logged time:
4:55
